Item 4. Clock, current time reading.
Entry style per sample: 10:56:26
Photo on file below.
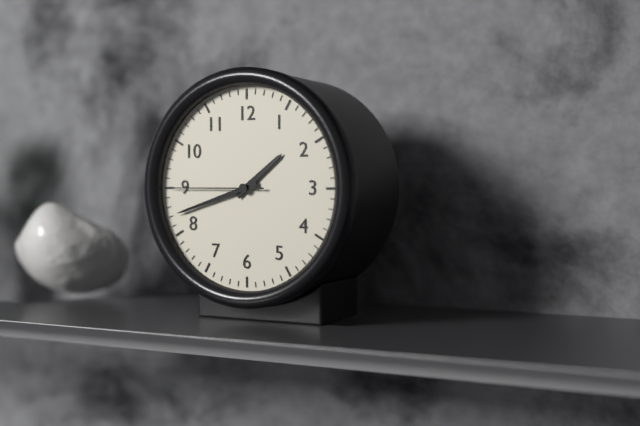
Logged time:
1:42:45
